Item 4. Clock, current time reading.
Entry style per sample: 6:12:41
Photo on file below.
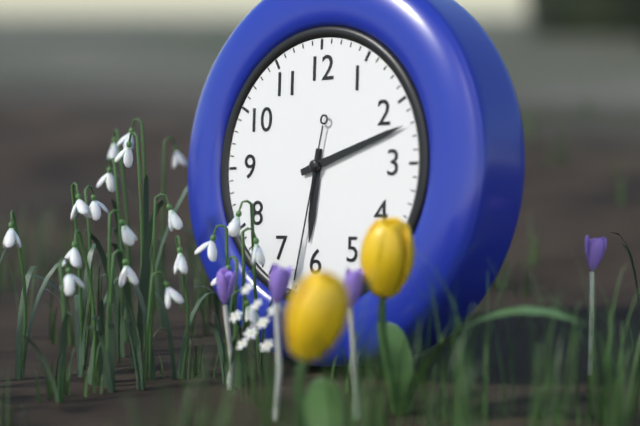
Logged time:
6:12:32
